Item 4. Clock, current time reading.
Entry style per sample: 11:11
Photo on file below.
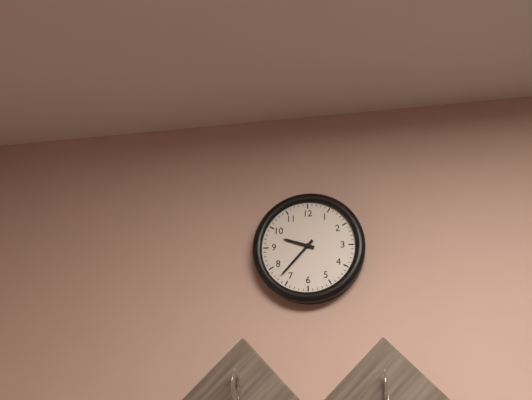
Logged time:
9:37
